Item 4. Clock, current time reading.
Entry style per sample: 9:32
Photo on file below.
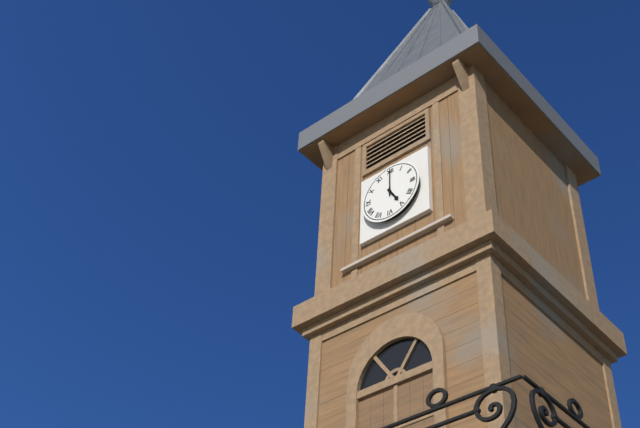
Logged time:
5:00
